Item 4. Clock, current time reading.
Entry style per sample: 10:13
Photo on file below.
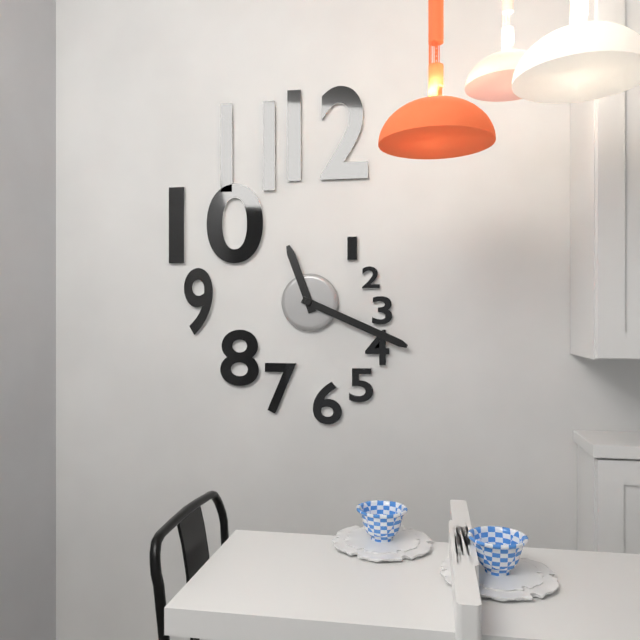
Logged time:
11:19
